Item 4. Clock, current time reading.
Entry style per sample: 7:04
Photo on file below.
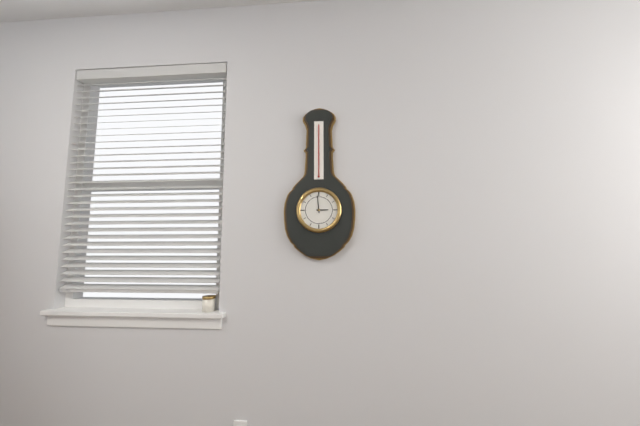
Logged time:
2:59
